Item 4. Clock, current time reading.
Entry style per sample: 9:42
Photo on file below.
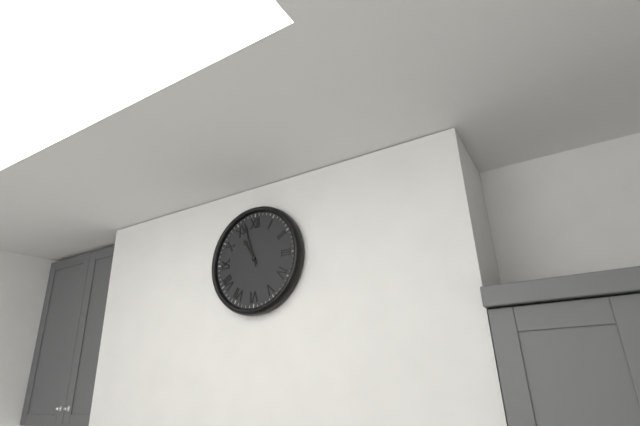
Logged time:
10:57
